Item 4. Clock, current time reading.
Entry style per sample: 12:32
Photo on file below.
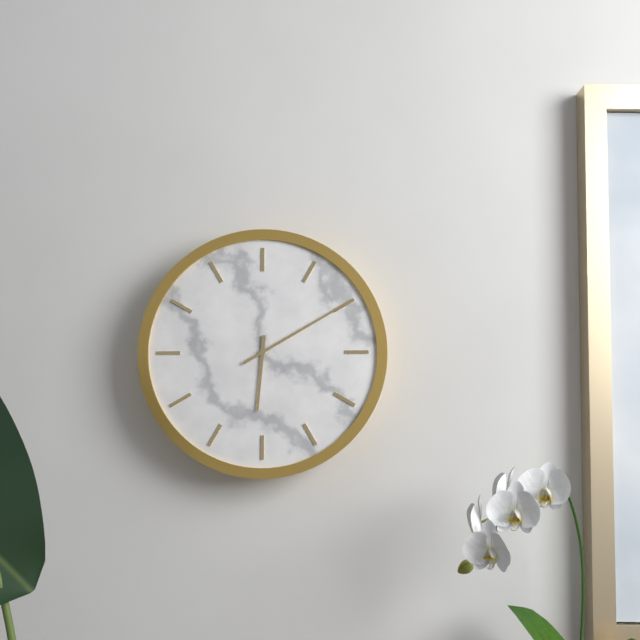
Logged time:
6:10
